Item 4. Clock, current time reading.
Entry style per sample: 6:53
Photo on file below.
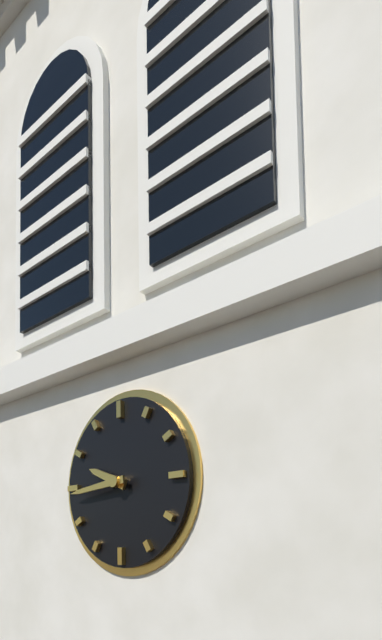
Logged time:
9:44
